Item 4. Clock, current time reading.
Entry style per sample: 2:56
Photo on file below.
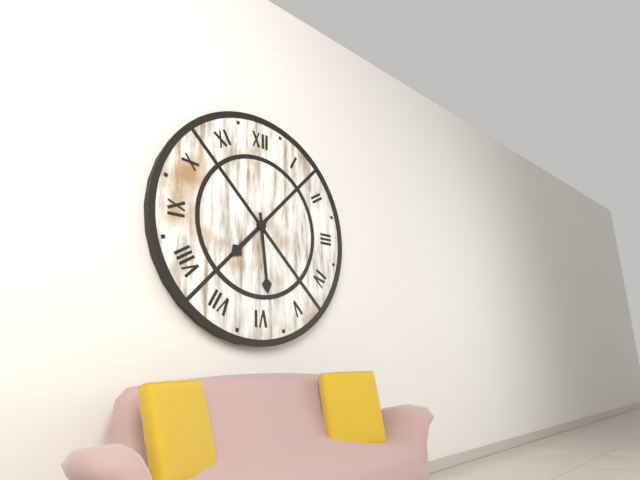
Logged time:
7:29
